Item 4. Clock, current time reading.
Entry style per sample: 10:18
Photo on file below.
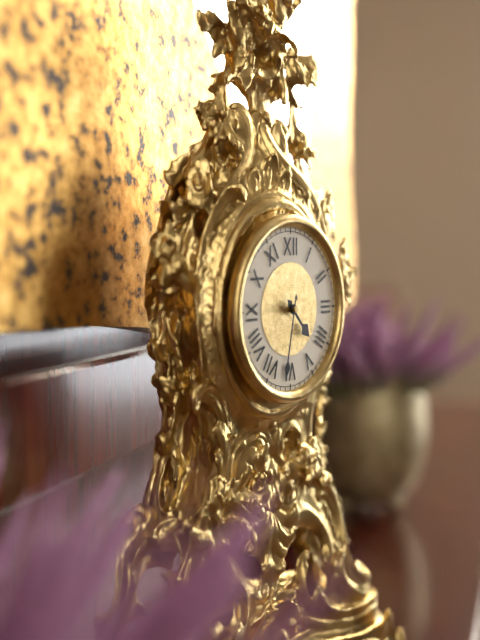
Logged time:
4:32
